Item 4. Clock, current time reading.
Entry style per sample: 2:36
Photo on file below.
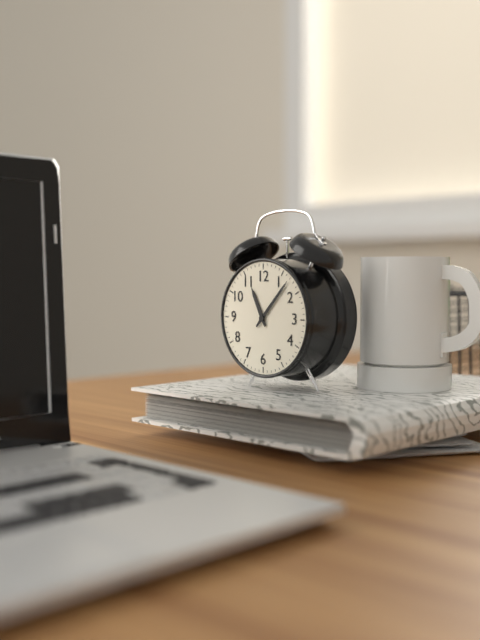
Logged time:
11:07
